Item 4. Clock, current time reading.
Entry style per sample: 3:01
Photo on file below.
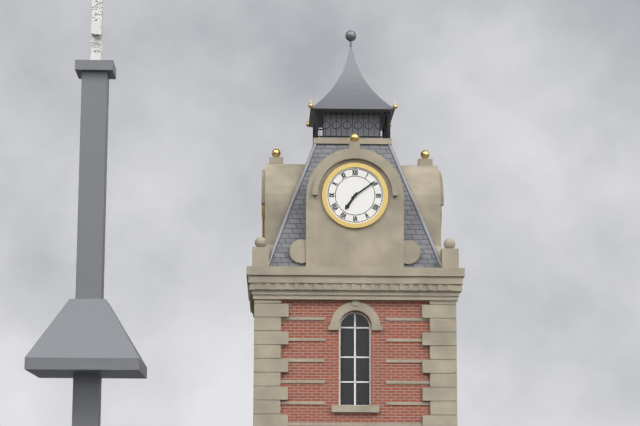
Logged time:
7:09
